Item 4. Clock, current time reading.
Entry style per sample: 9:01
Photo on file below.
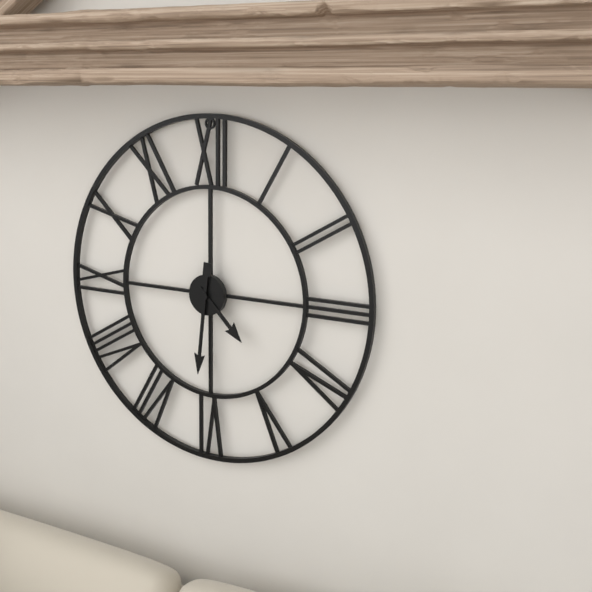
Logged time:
4:31
